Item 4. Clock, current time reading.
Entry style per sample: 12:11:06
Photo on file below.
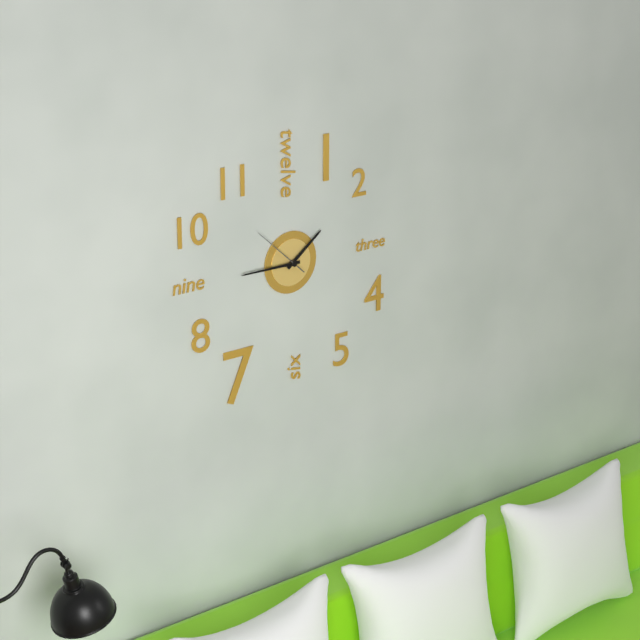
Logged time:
1:45:52
